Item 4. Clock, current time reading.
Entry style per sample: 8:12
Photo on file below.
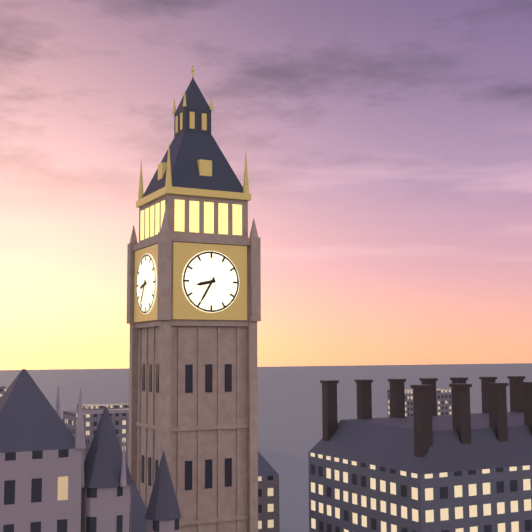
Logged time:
8:35
